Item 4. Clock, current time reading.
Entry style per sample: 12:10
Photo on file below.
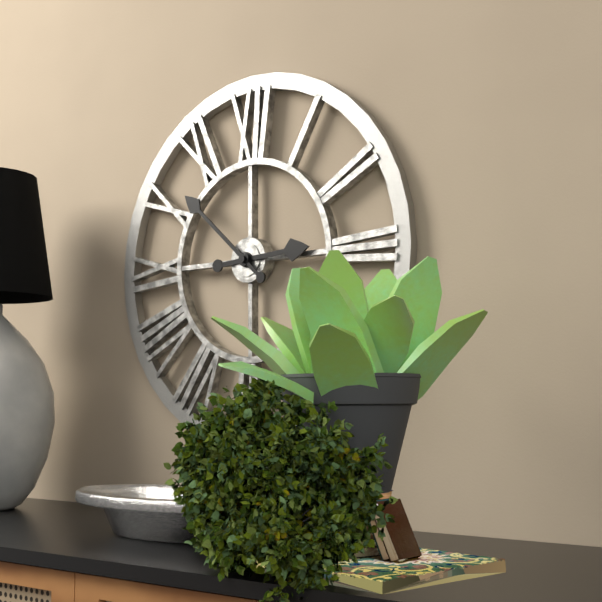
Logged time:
2:52
